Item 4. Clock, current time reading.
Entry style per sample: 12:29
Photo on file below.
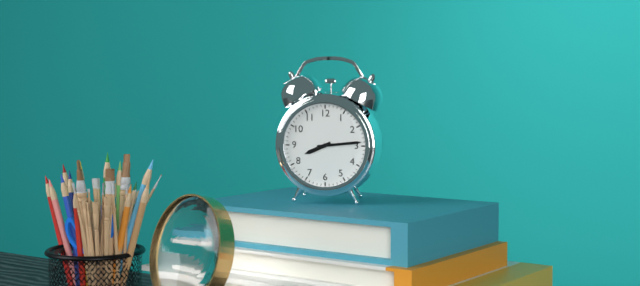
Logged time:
8:14
